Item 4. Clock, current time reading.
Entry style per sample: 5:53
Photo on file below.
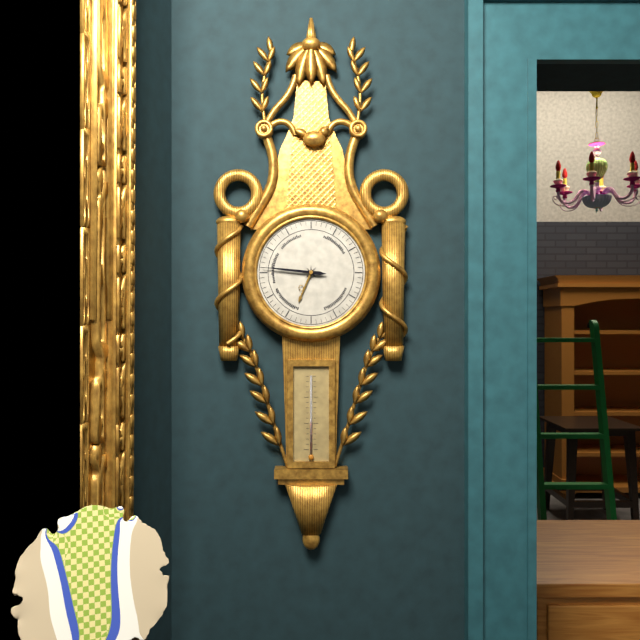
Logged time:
6:46
